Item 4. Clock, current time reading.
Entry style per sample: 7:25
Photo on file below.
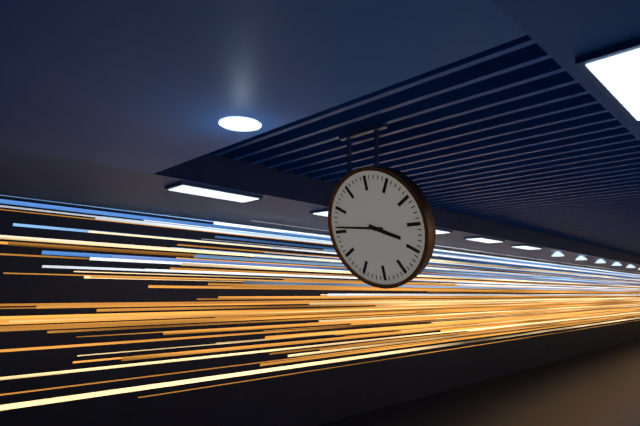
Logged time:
3:46
